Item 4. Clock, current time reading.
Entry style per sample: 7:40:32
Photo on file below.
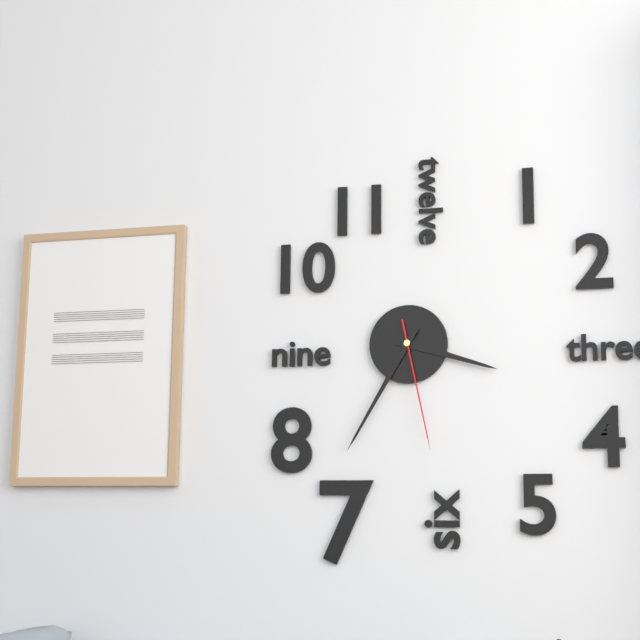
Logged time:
3:35:28
